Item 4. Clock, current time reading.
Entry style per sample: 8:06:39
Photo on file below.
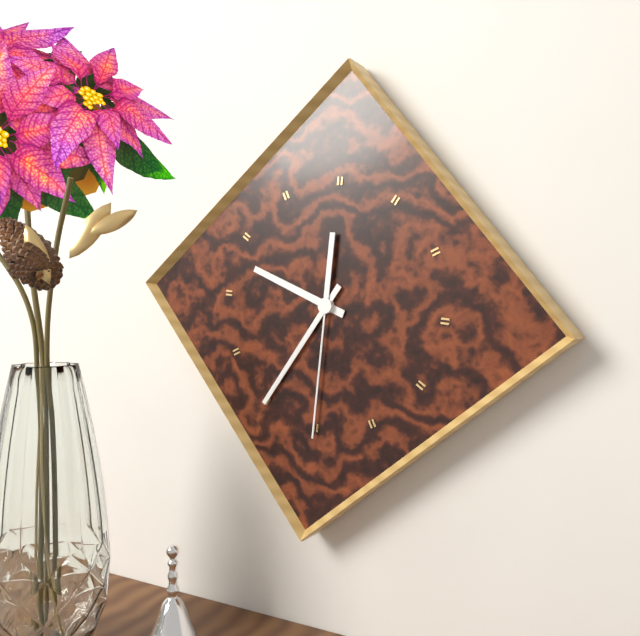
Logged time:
9:35:30
